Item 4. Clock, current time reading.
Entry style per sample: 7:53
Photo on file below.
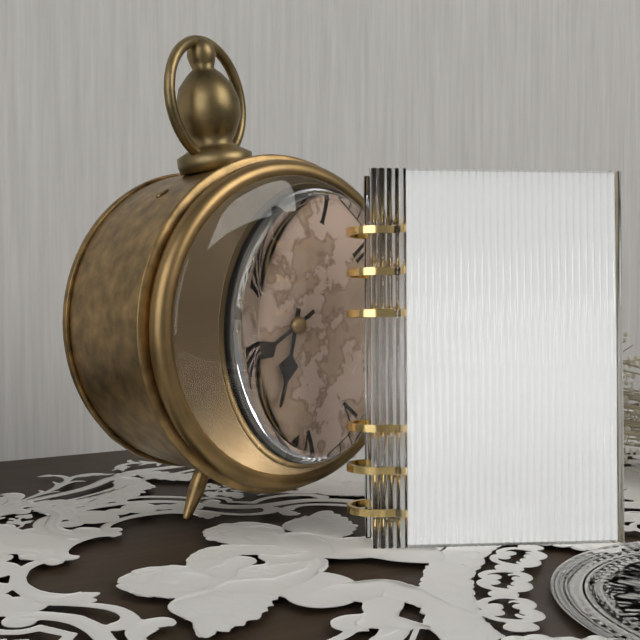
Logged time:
6:41
